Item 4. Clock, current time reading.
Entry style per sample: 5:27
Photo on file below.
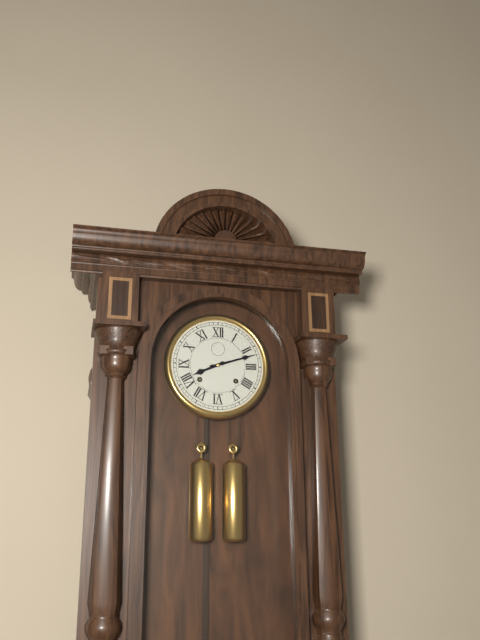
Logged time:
8:12
